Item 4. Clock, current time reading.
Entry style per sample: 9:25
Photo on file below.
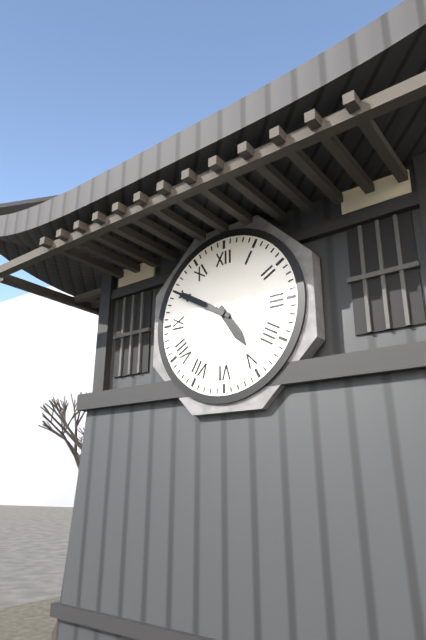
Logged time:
4:50
